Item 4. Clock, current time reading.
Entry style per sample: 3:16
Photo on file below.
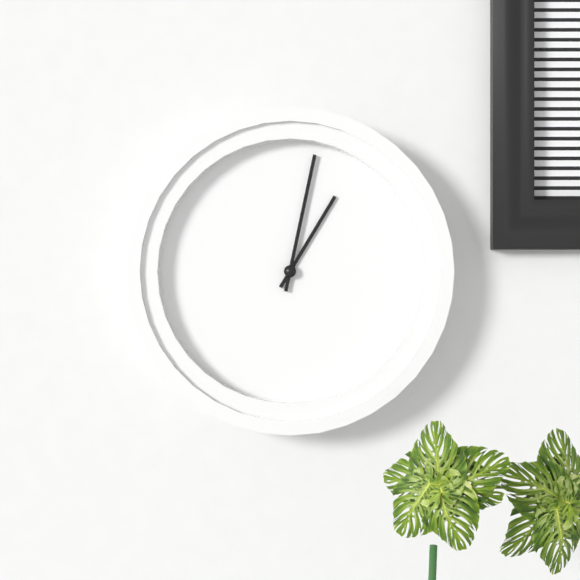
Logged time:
1:02
